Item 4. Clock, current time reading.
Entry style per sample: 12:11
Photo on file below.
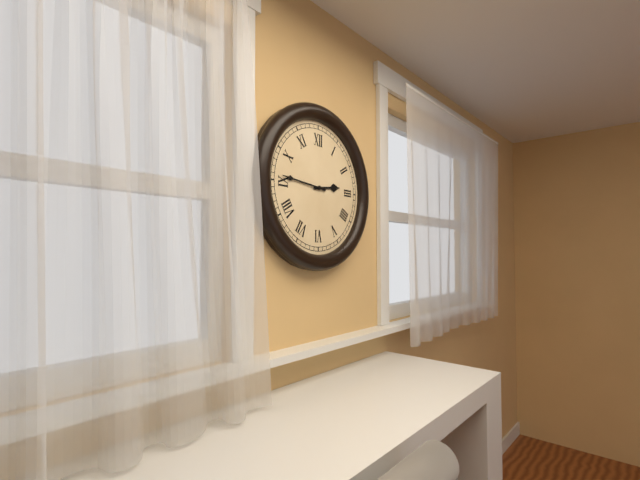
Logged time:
2:46
